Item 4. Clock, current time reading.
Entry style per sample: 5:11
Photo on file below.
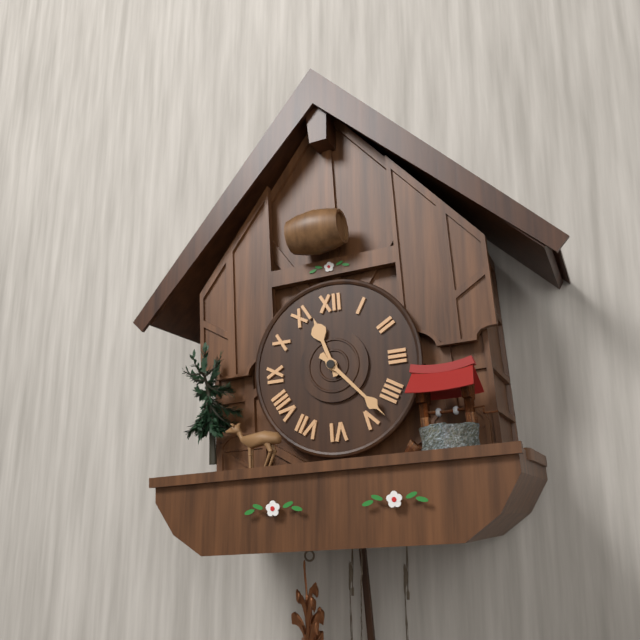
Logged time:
11:23
